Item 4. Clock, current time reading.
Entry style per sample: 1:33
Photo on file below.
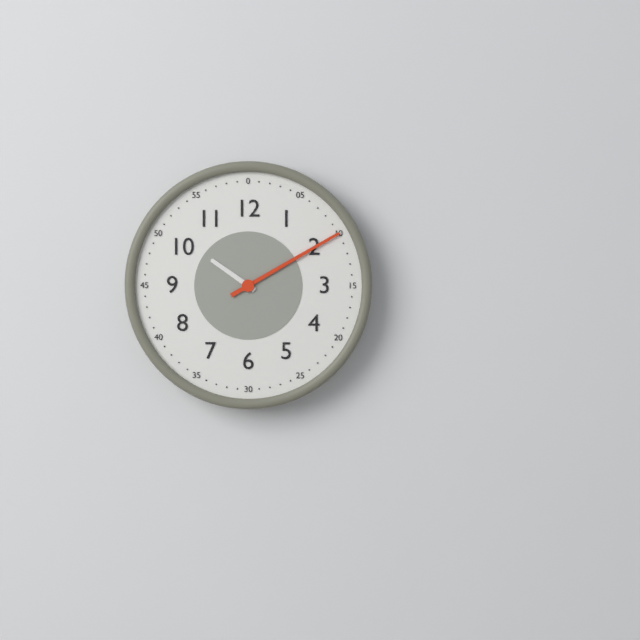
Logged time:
10:10
